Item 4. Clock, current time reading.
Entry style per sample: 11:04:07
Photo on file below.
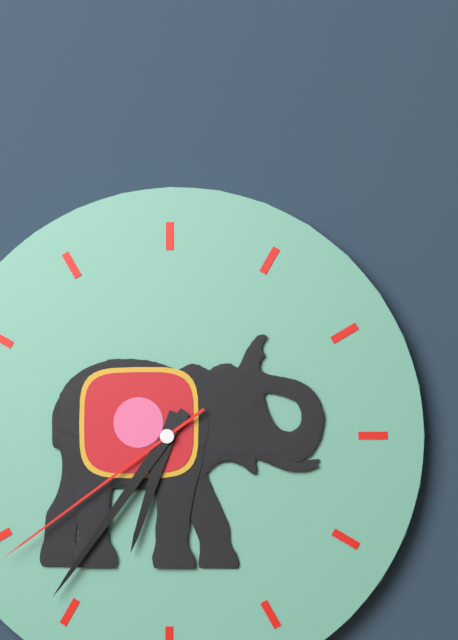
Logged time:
6:36:39
